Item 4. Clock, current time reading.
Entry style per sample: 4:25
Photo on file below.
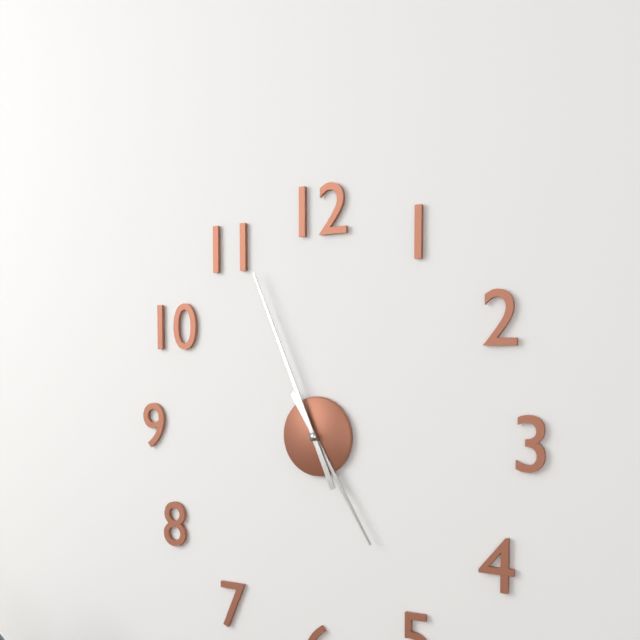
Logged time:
4:56
